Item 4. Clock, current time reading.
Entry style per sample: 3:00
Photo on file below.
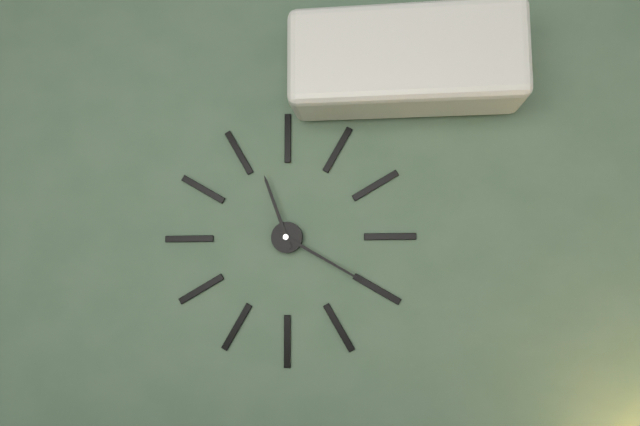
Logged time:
11:20
